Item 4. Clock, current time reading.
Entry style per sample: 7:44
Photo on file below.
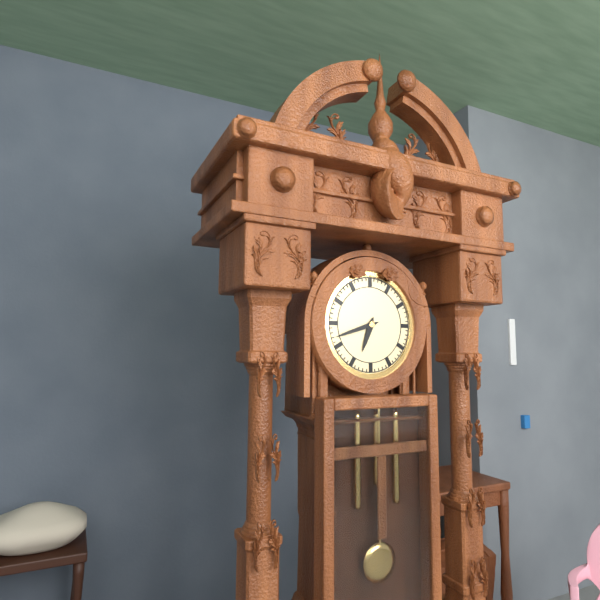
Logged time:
6:42
